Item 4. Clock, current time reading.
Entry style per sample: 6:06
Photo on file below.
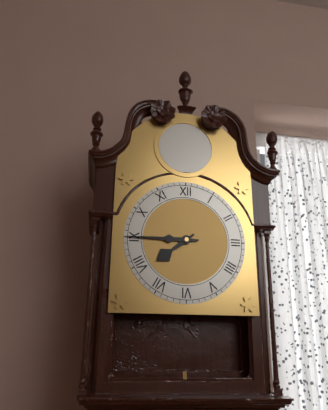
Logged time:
7:45
